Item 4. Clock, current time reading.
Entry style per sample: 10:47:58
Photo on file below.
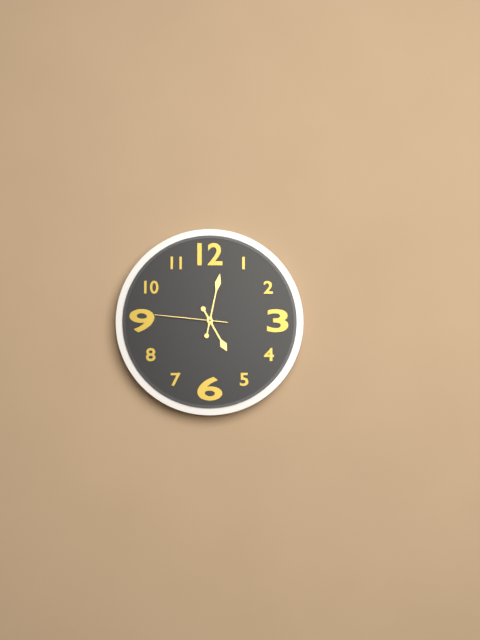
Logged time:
5:02:46
